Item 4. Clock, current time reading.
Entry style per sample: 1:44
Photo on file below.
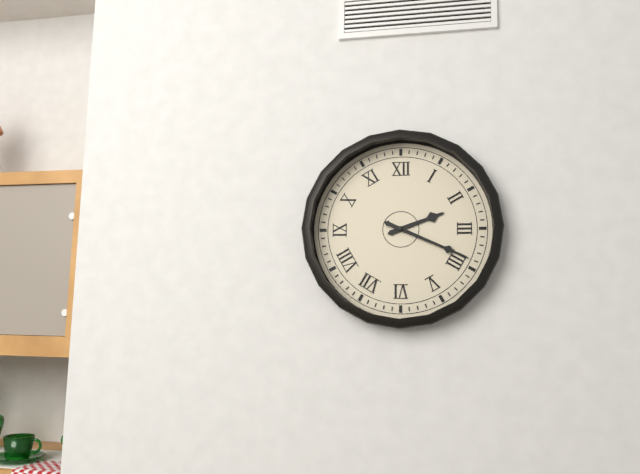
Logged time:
2:19
